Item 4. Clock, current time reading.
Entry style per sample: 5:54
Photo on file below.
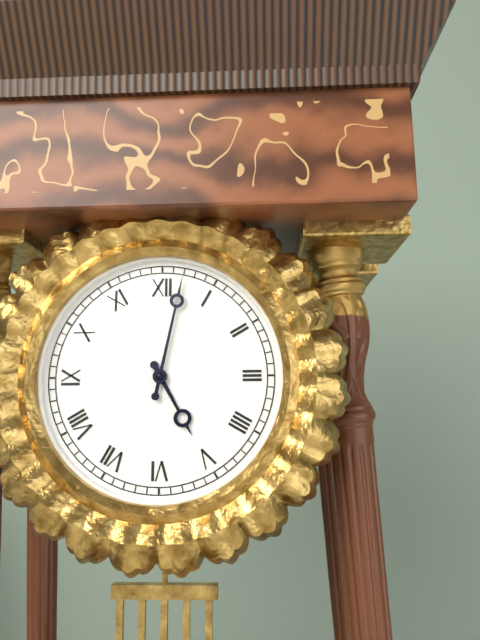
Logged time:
5:02
